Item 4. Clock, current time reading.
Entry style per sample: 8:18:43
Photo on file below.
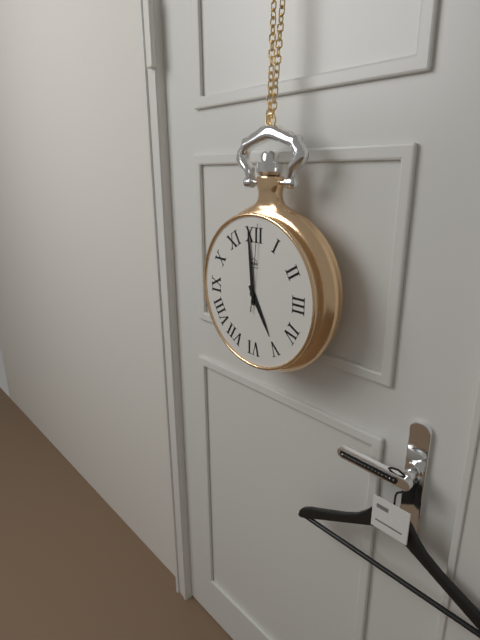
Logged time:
4:59:01
